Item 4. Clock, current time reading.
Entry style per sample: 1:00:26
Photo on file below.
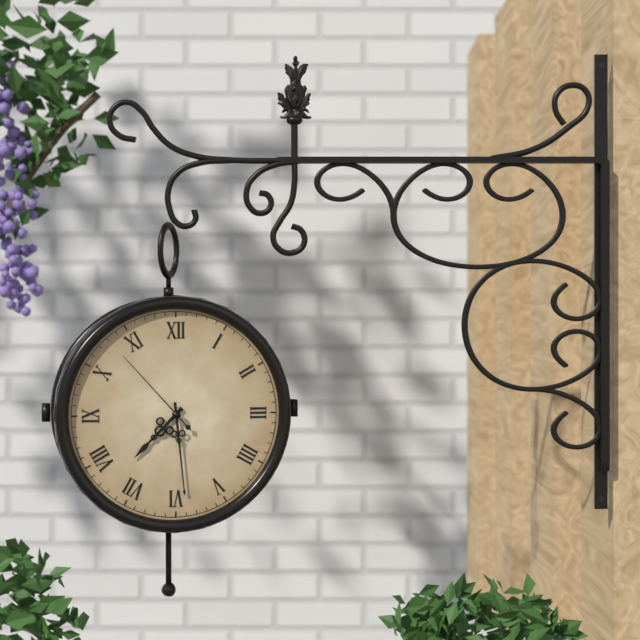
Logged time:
7:29:53
